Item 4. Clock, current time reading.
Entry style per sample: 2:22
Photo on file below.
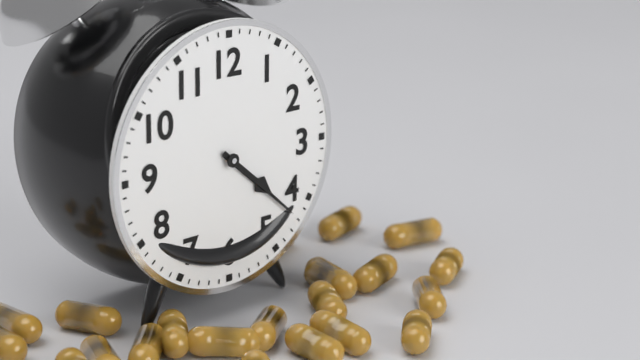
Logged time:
4:22
